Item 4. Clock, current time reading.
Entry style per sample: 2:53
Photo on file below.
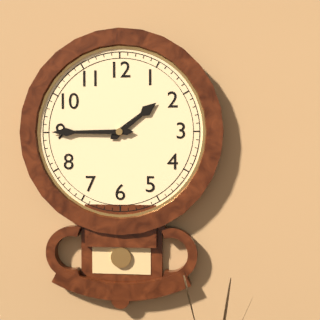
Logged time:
1:45
